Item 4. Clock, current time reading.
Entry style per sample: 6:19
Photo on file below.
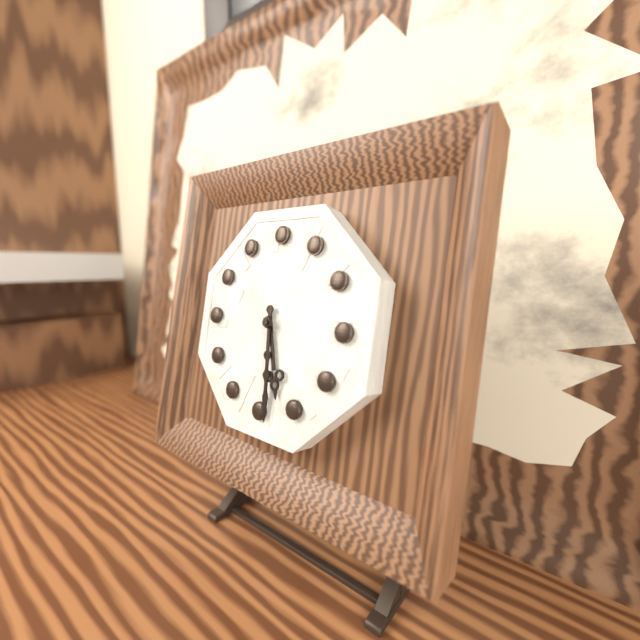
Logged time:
5:29
